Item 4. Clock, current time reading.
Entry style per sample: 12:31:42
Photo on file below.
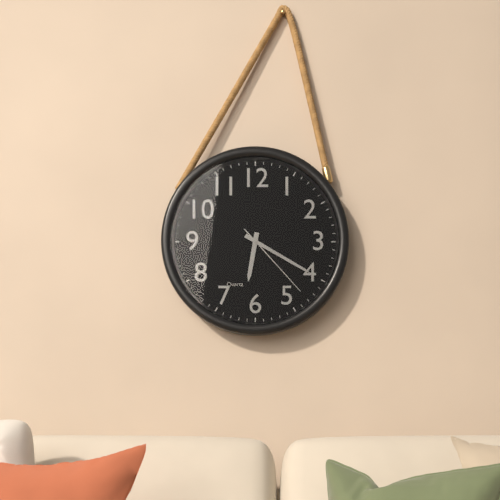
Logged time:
6:20:23
